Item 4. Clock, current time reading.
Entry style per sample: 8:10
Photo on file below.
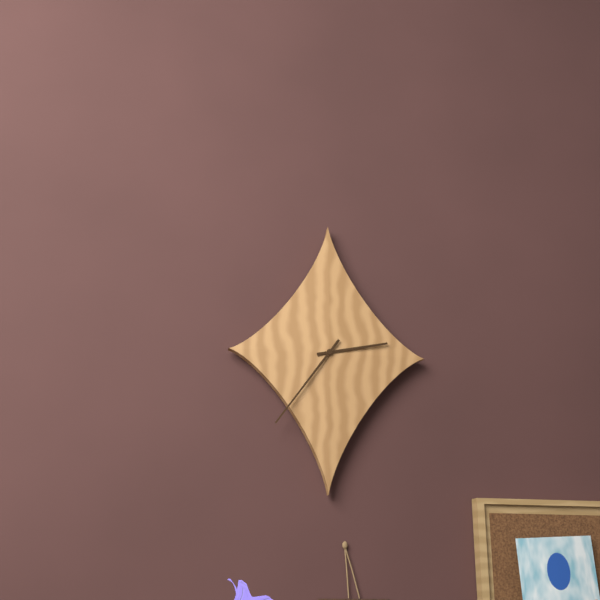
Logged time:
2:36
